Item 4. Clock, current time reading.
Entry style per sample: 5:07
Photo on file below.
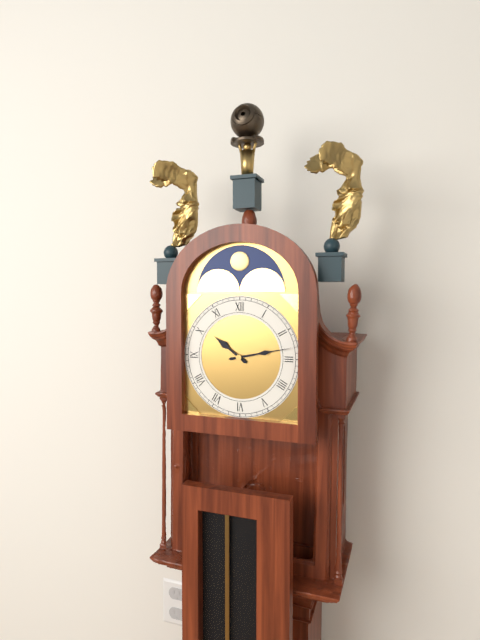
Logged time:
10:13
